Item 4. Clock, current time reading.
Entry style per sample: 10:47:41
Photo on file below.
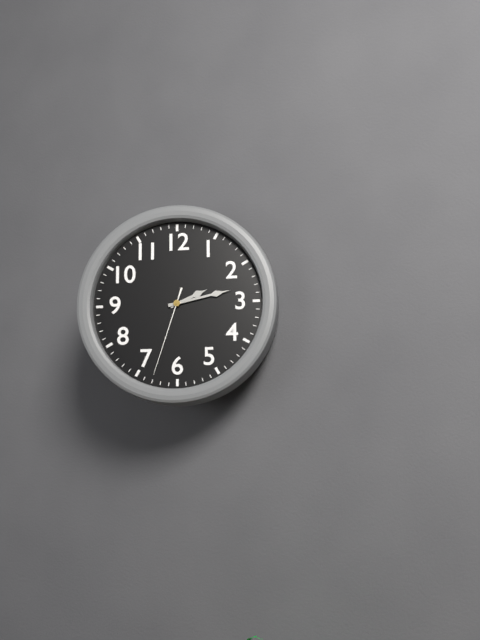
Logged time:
2:13:33
